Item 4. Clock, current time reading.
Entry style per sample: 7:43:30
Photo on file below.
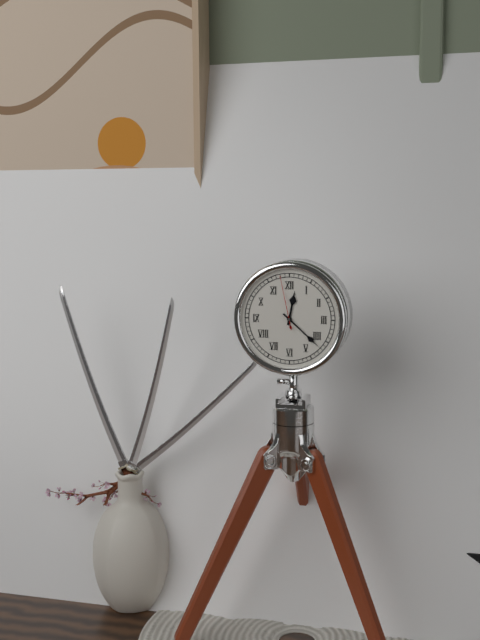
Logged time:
12:22:58
